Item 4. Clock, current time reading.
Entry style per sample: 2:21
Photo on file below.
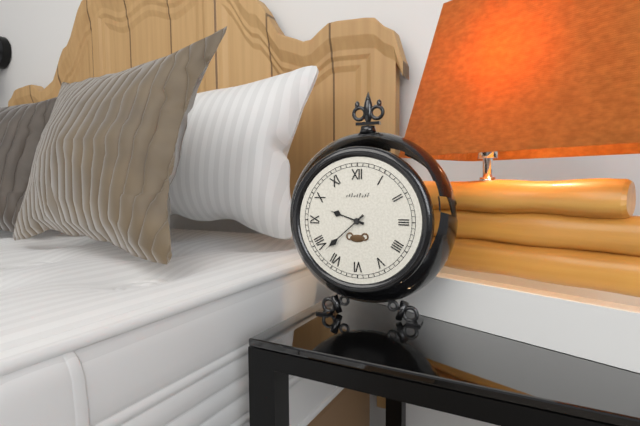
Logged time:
9:38
